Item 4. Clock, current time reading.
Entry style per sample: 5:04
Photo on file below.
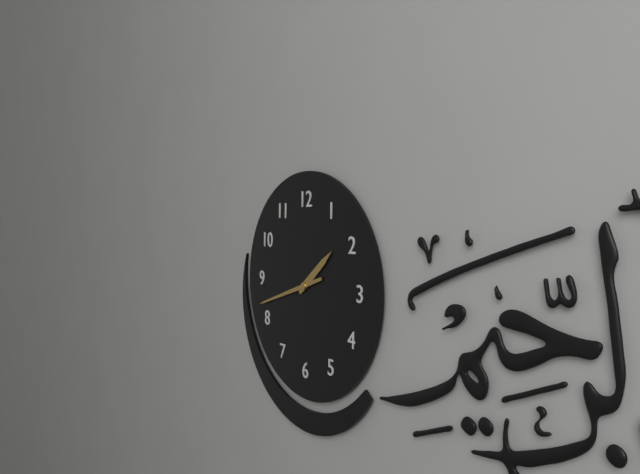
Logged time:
1:42
